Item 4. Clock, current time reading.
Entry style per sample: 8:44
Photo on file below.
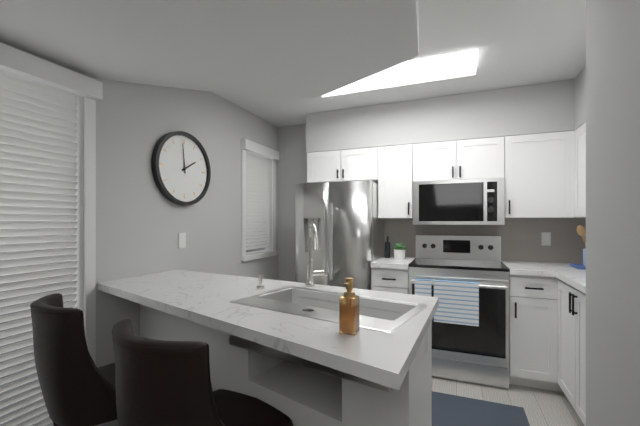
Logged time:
1:59
